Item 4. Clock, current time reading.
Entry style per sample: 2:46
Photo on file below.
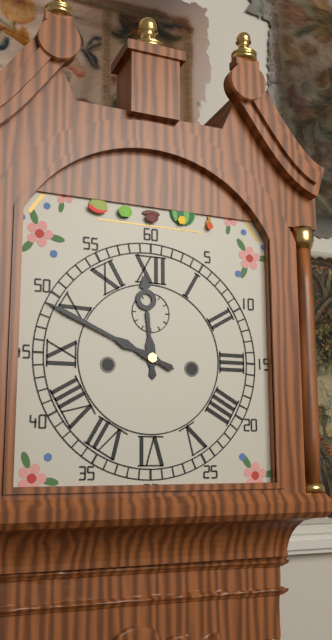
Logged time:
11:49
